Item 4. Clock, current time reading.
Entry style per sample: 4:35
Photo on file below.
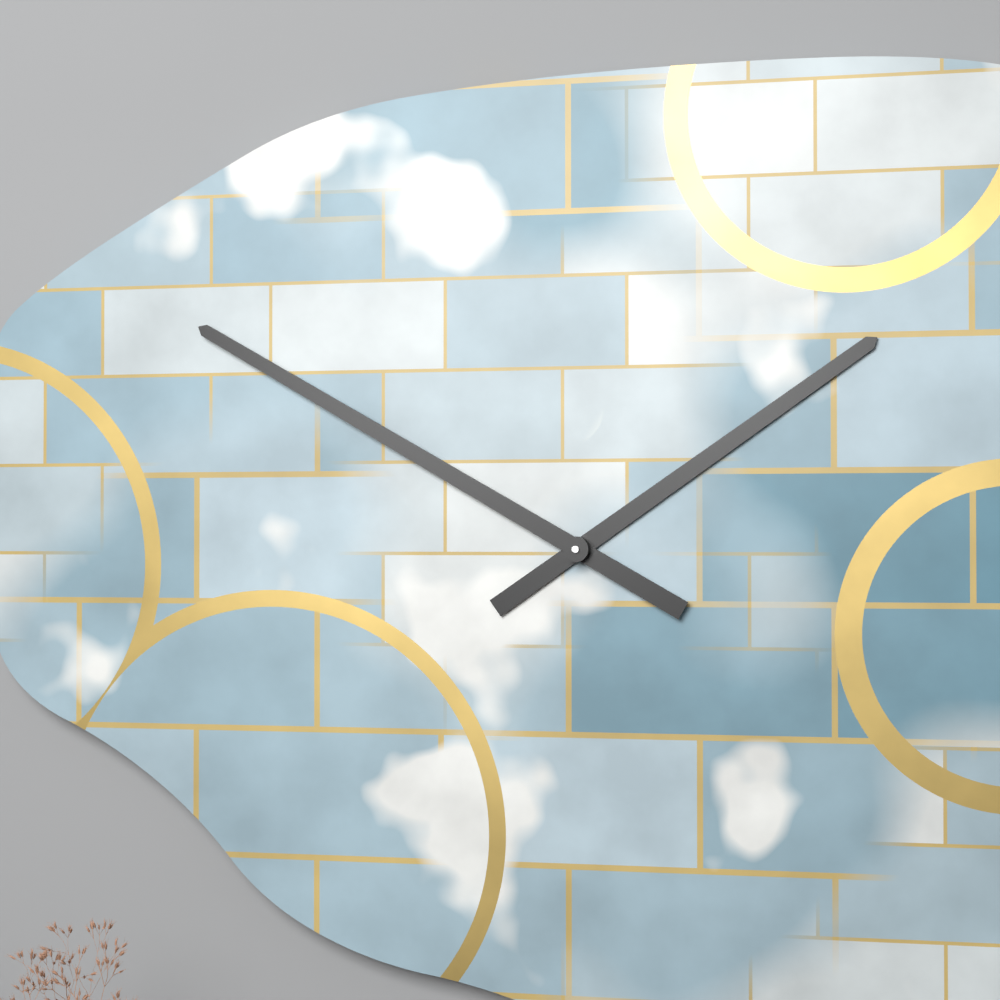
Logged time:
1:50
